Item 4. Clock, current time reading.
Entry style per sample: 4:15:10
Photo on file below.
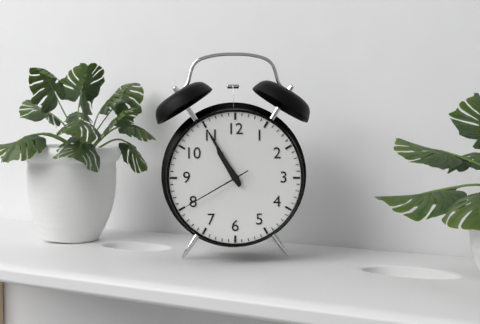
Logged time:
10:55:40
